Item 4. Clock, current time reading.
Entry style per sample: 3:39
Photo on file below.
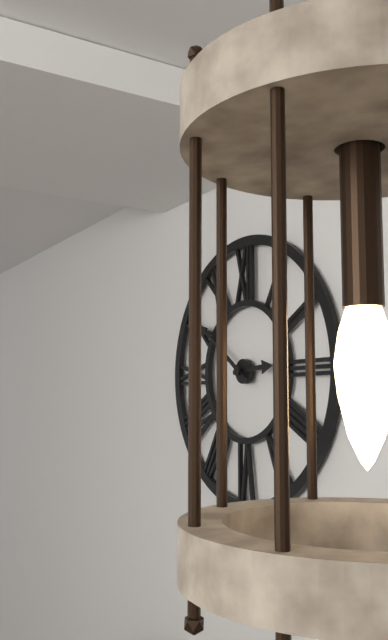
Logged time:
2:51
